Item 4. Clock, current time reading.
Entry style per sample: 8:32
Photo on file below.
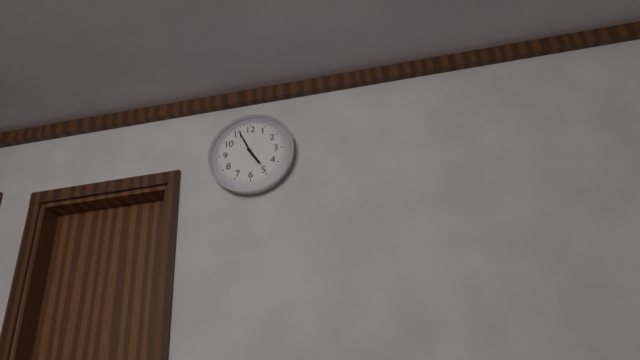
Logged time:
4:56
